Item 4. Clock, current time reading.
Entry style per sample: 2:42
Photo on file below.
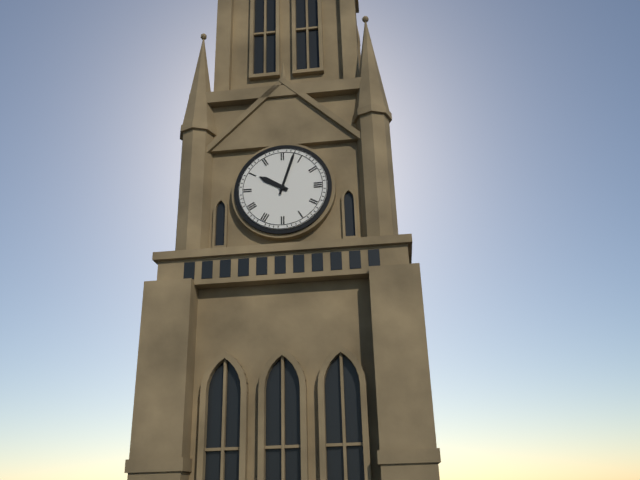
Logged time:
10:03
